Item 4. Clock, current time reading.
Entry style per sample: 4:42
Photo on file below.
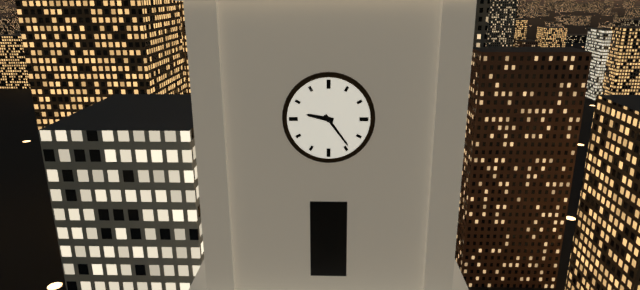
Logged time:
9:24
